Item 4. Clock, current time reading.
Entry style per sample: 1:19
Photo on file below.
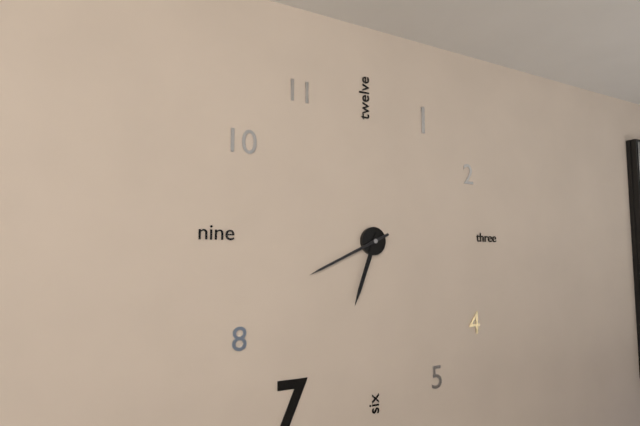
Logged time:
6:41
